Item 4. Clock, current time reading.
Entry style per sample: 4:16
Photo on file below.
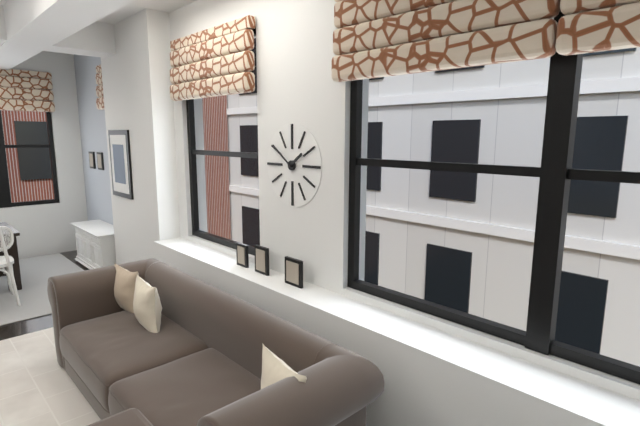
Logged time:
1:51
